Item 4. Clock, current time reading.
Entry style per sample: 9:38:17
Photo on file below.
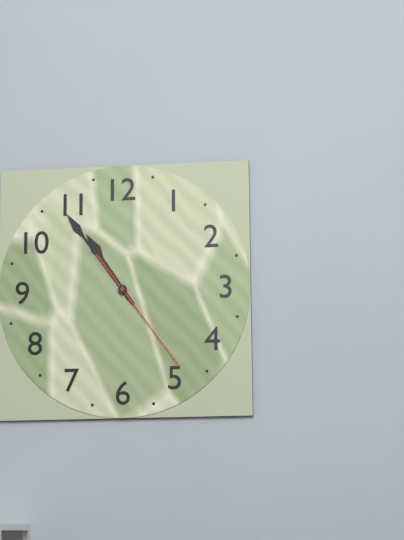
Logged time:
10:54:24
